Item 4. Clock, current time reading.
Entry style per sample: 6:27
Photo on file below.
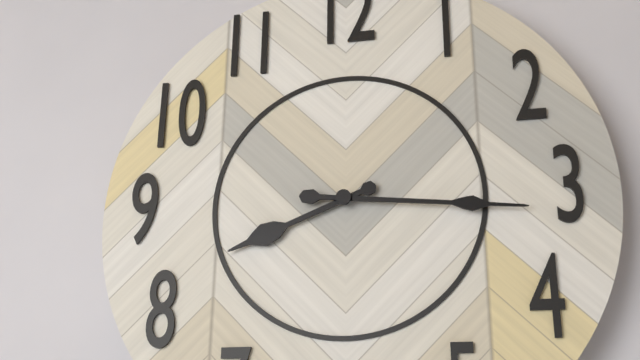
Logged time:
8:16
